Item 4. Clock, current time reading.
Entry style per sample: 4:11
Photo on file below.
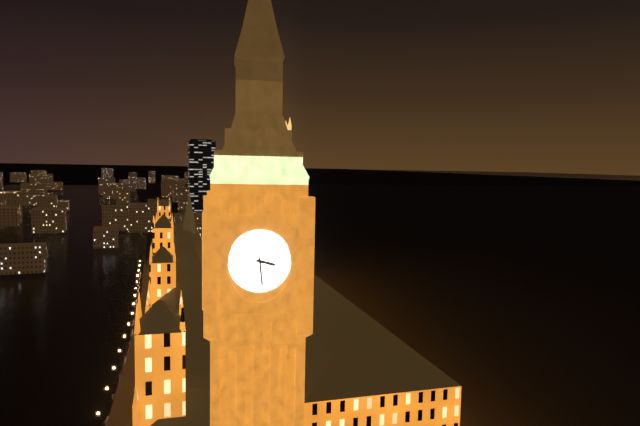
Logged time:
3:29
